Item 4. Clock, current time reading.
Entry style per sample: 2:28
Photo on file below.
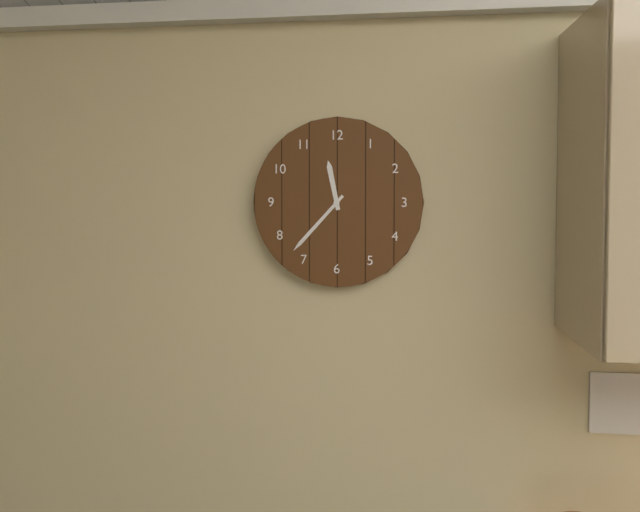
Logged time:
11:37
